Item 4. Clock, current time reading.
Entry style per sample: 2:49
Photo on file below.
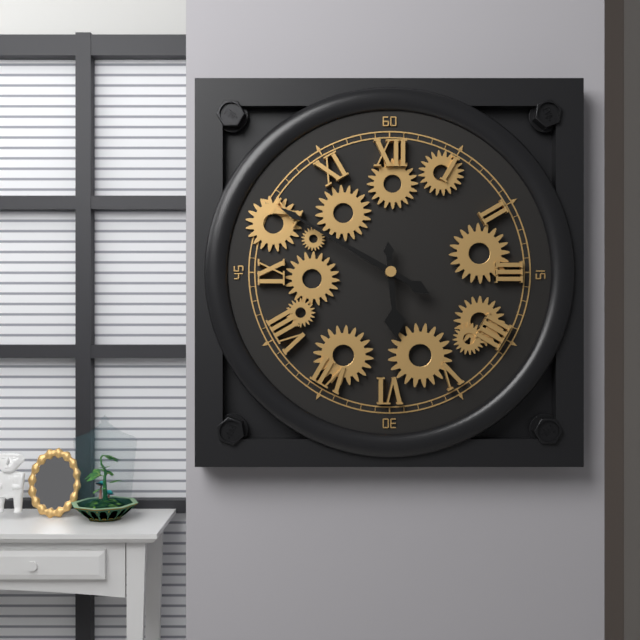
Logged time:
5:50
